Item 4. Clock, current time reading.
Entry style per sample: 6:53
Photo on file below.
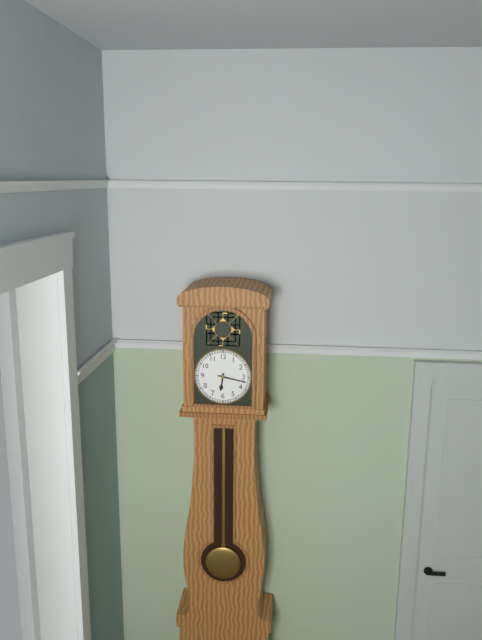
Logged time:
6:17
